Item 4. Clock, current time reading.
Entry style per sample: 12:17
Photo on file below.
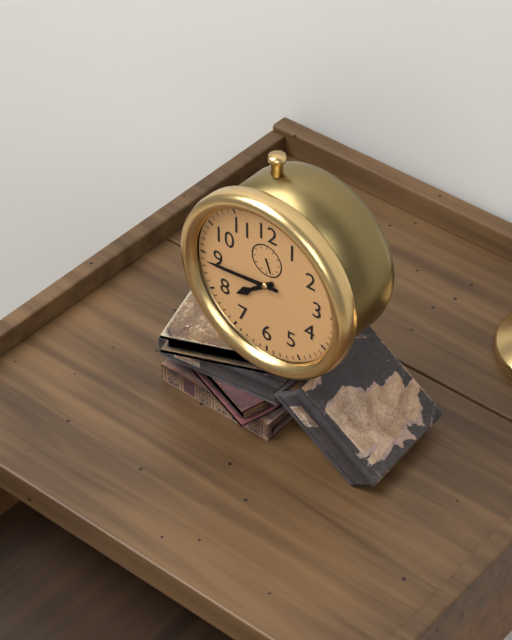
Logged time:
7:44
